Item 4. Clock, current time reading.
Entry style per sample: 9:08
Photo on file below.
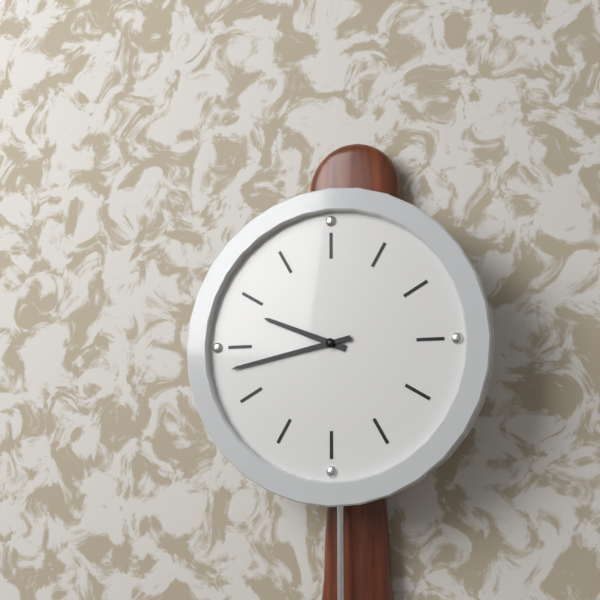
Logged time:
9:43
